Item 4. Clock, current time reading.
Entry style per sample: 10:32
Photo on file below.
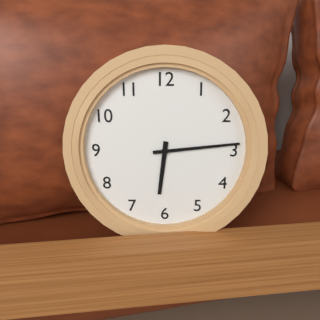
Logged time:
6:14
